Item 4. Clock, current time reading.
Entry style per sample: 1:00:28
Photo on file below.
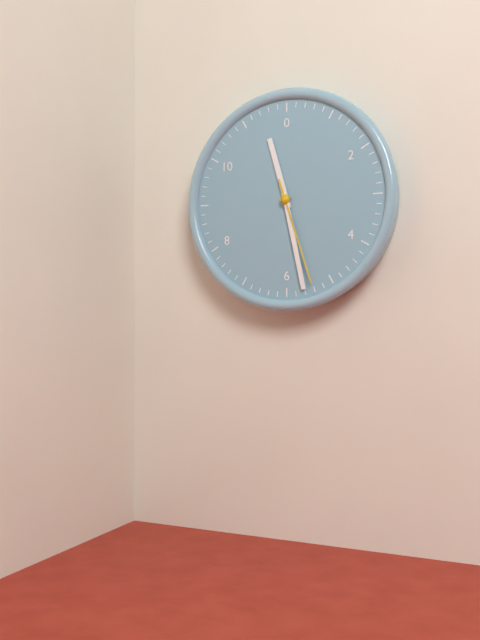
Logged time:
11:28:27
